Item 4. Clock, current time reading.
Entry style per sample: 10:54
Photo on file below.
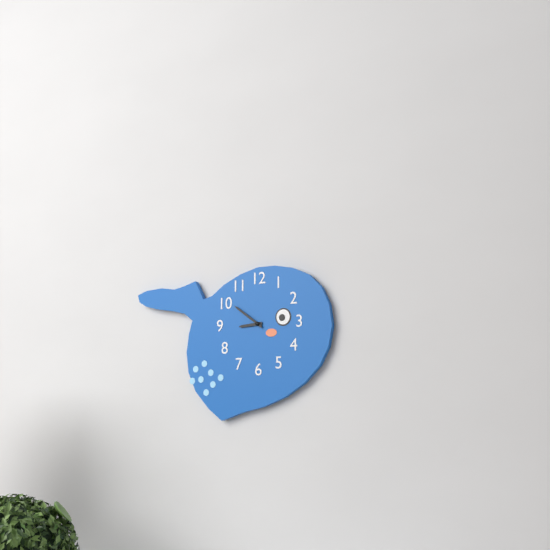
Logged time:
8:51
